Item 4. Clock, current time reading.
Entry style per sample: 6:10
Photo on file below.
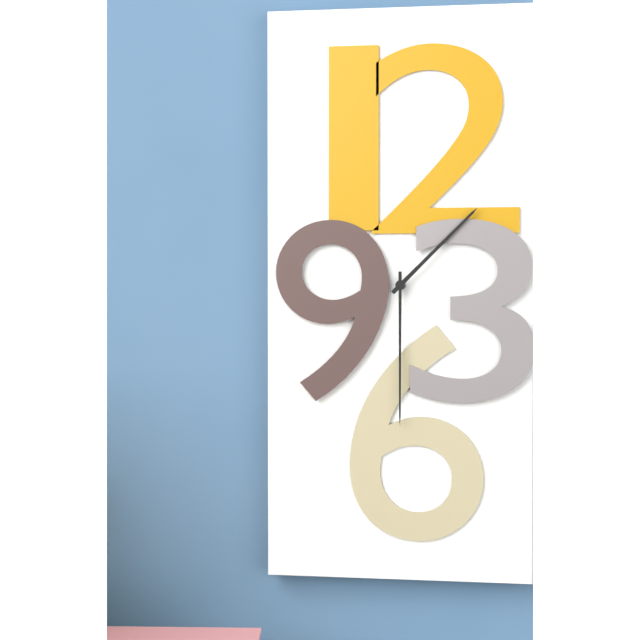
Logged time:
1:30
